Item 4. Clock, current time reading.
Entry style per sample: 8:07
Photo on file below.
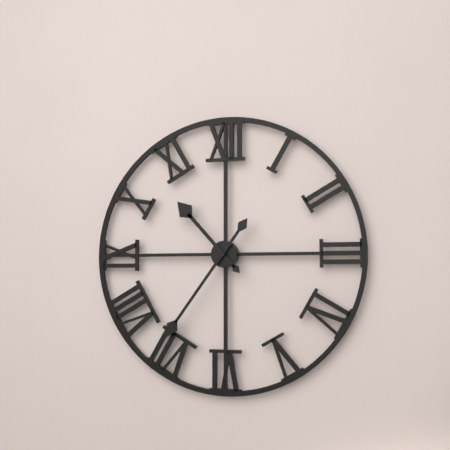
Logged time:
10:36
